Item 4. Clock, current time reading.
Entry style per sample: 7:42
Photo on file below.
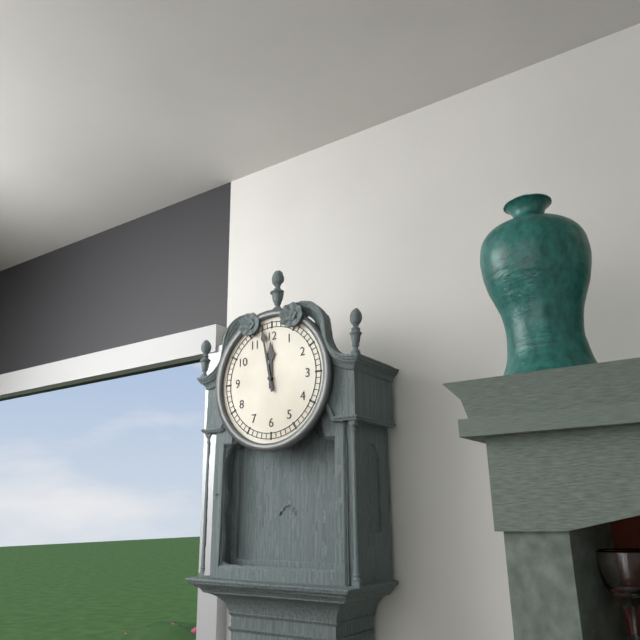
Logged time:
11:58
